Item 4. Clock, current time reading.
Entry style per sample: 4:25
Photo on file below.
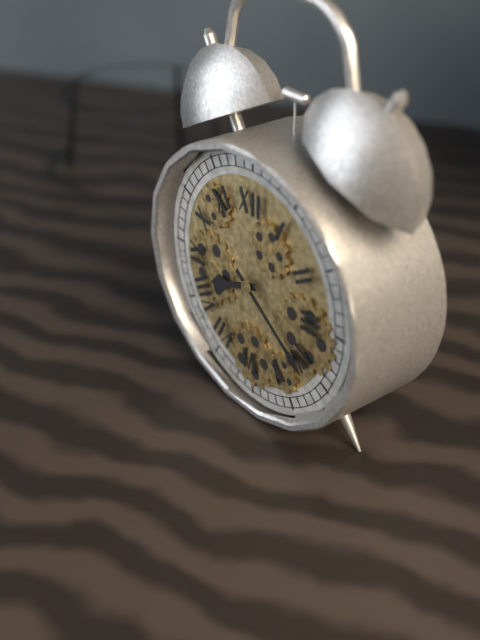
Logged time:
8:21
